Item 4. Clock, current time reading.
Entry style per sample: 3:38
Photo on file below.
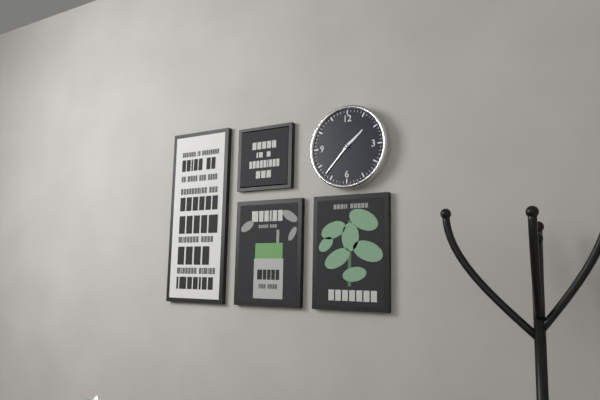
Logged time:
1:37
